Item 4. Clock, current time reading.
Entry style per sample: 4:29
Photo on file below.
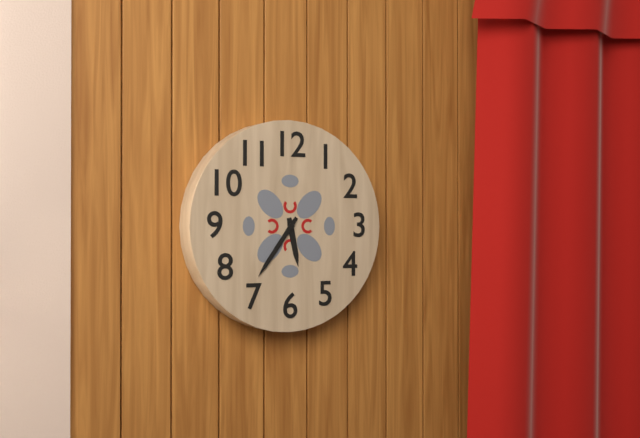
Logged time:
5:36
